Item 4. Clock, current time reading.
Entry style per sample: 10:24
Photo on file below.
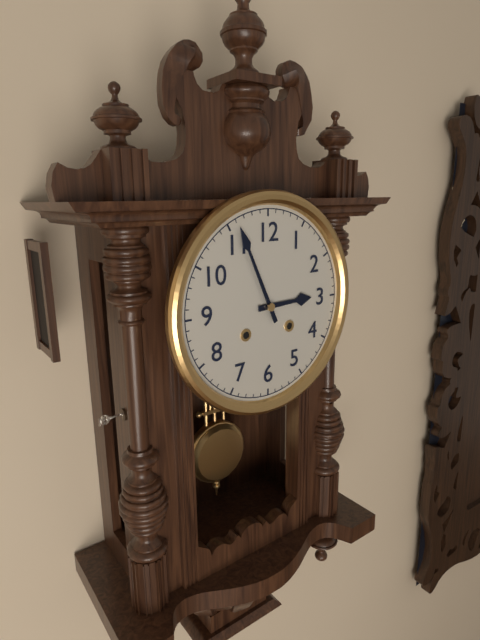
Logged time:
2:56
